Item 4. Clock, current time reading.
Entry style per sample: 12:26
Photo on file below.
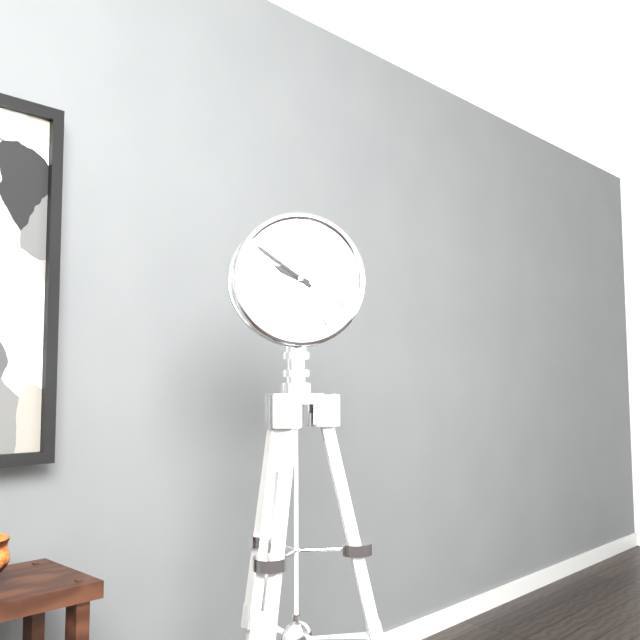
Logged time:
9:51
